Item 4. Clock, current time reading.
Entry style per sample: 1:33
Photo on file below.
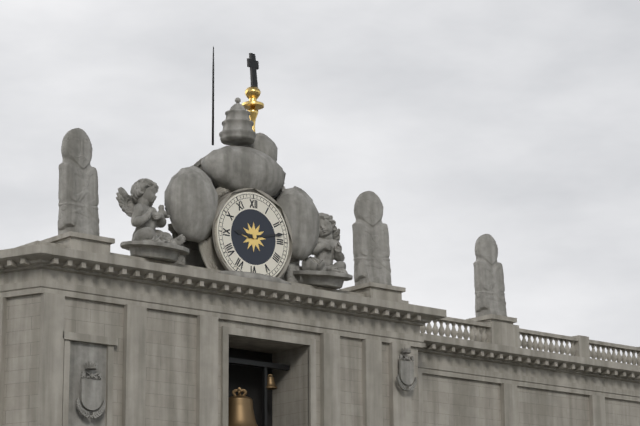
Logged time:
9:13
